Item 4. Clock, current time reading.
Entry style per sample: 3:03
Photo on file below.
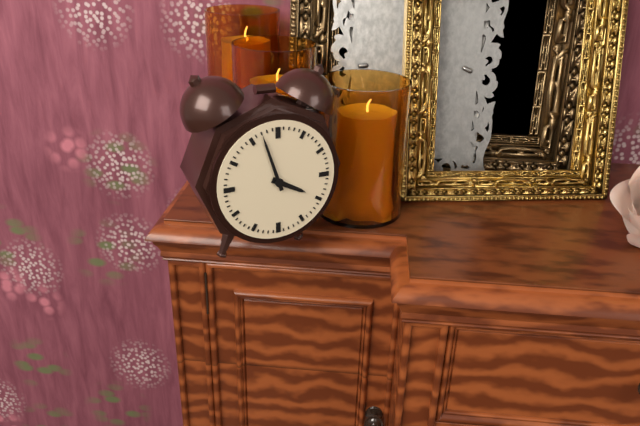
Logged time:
3:57
